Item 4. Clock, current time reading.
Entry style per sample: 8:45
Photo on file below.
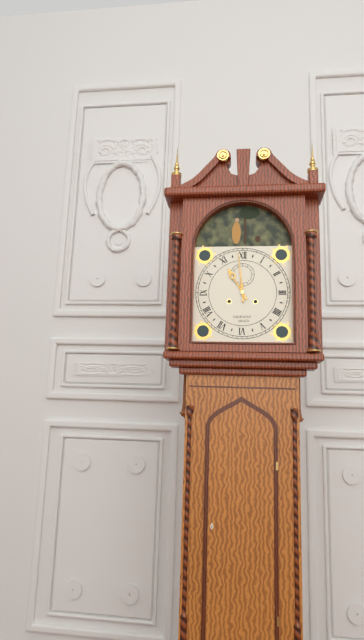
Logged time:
10:59
